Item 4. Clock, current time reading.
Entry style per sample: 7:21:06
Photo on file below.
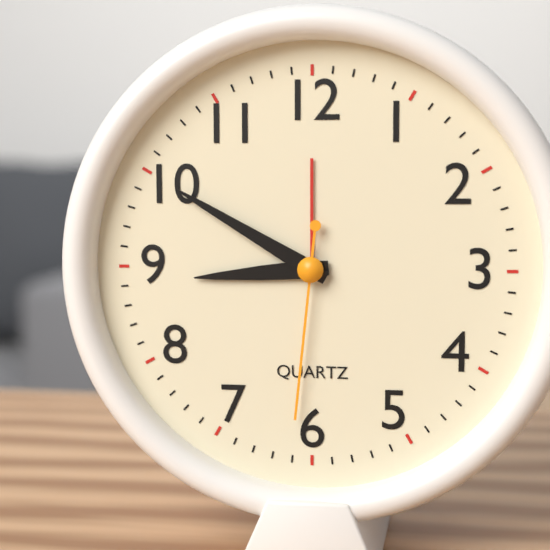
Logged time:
8:50:31
